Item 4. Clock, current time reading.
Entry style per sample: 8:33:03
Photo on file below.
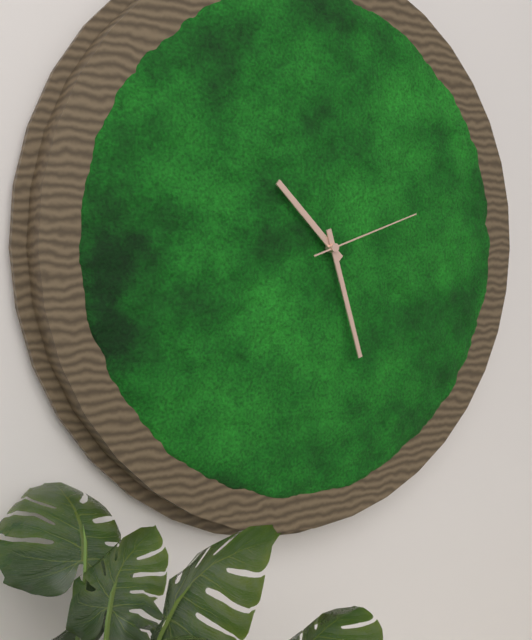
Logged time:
10:27:12
